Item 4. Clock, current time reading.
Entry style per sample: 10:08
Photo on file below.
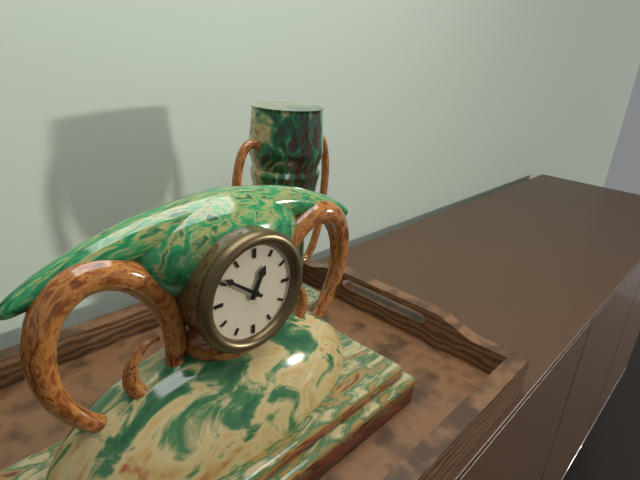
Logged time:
12:51
